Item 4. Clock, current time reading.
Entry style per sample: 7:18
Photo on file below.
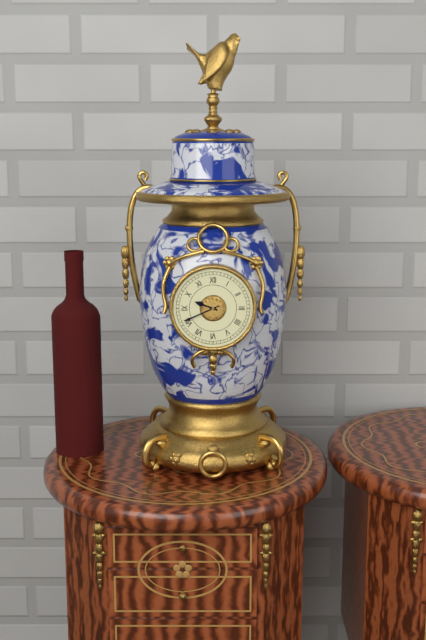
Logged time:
9:41
